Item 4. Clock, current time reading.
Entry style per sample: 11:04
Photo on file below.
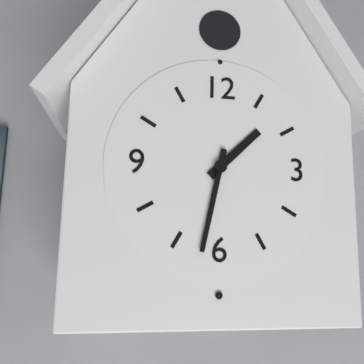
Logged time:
1:32
